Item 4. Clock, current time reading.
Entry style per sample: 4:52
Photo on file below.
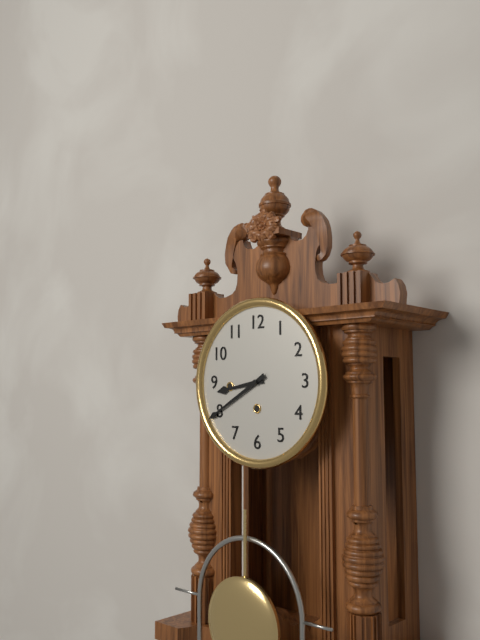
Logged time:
8:40
